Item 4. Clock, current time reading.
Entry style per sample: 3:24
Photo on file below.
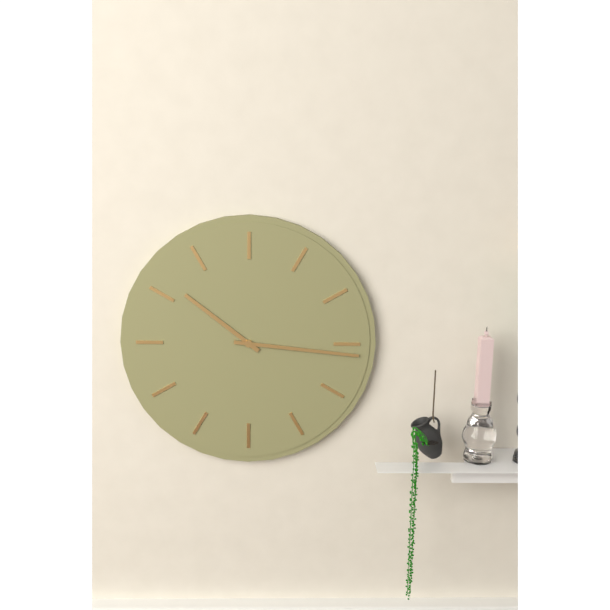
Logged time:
10:16
